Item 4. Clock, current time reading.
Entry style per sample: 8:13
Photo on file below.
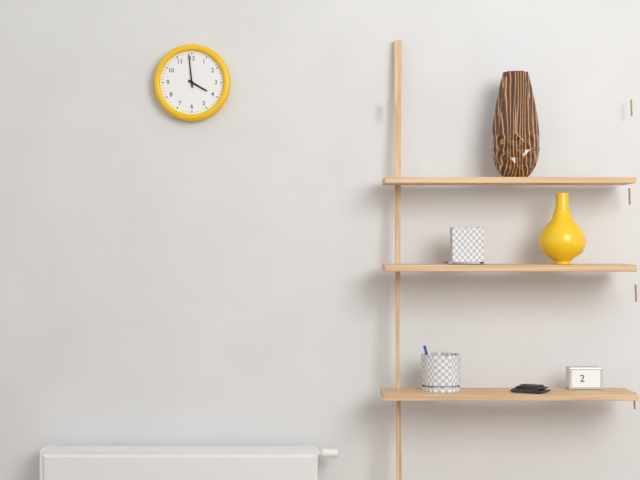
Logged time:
3:59
